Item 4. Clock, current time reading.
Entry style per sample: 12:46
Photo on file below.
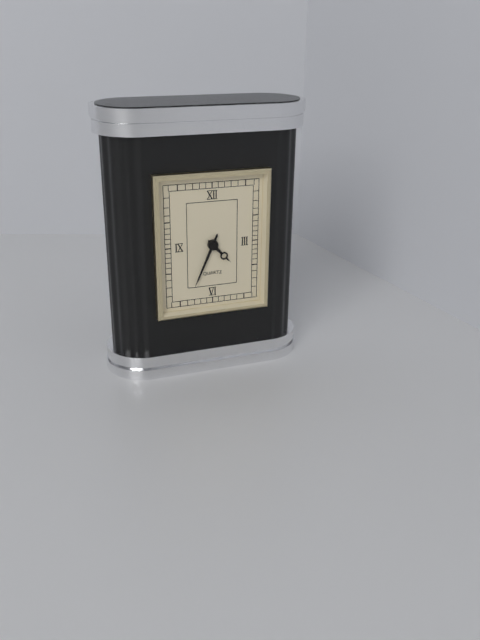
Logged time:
4:34
